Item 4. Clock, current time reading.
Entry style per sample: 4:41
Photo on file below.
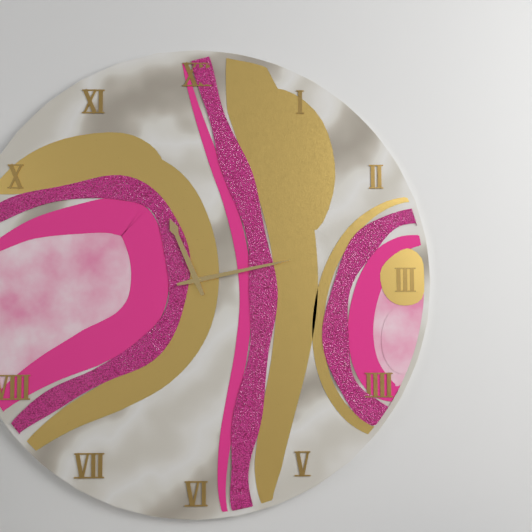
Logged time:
11:13
